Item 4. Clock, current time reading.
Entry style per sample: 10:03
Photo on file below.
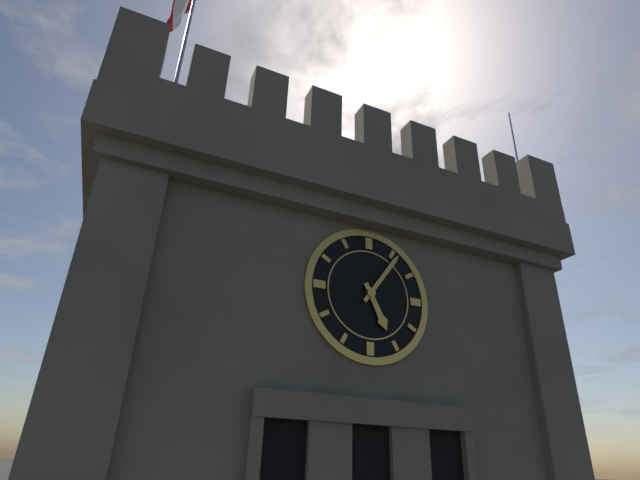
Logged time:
5:06
